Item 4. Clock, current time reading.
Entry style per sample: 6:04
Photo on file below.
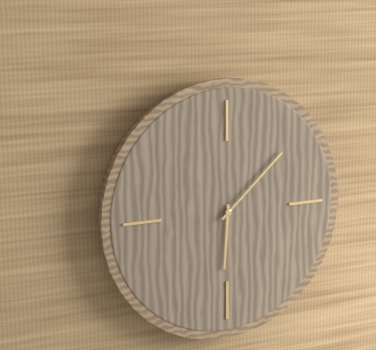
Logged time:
6:08
